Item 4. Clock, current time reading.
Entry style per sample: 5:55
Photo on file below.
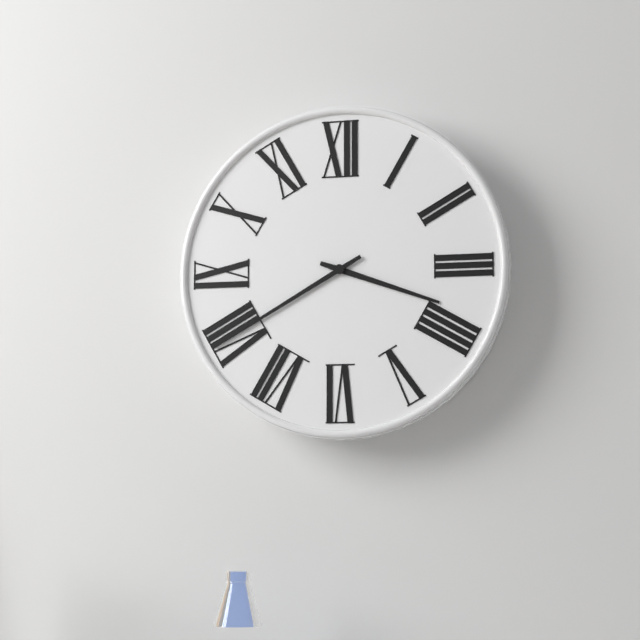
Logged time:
3:40
